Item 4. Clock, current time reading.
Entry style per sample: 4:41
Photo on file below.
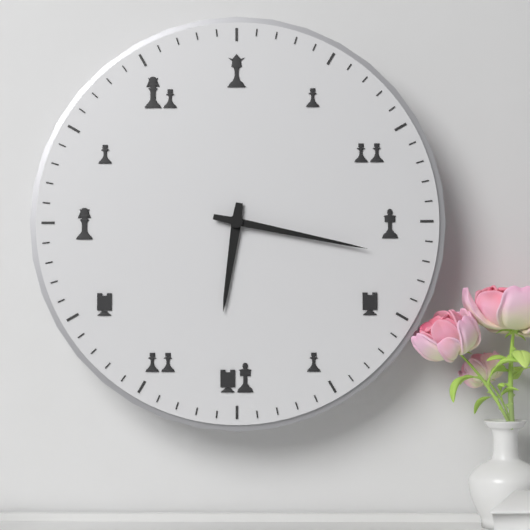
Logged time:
6:17
